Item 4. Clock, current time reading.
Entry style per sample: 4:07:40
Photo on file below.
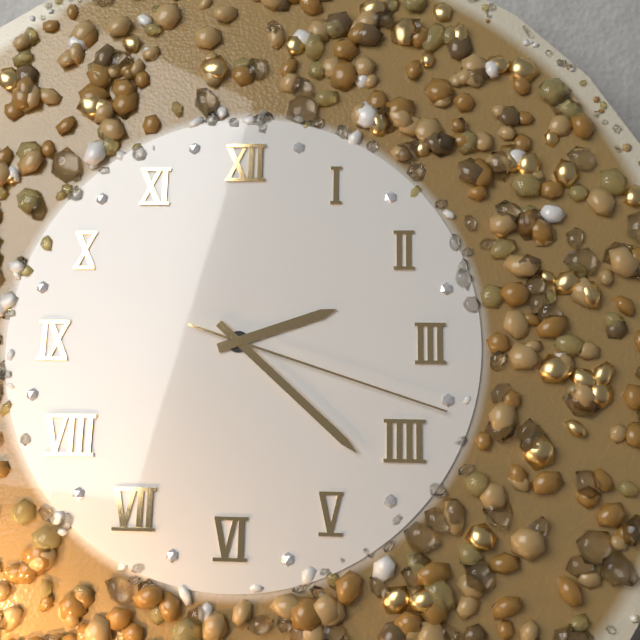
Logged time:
2:22:18
